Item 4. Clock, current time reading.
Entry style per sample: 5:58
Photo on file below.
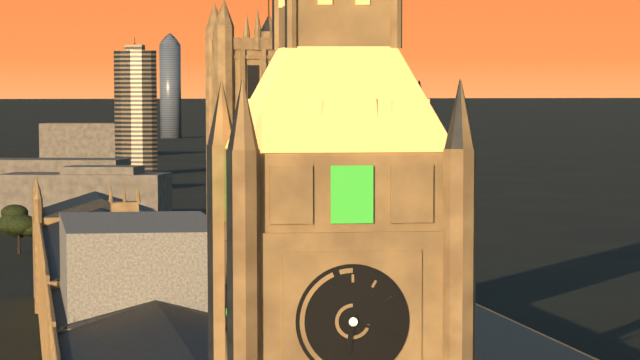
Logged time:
6:18
